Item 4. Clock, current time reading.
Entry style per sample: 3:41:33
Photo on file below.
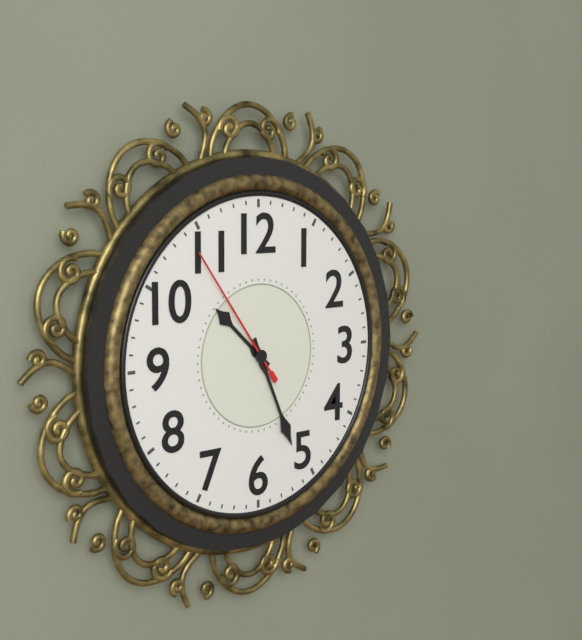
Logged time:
10:26:54
